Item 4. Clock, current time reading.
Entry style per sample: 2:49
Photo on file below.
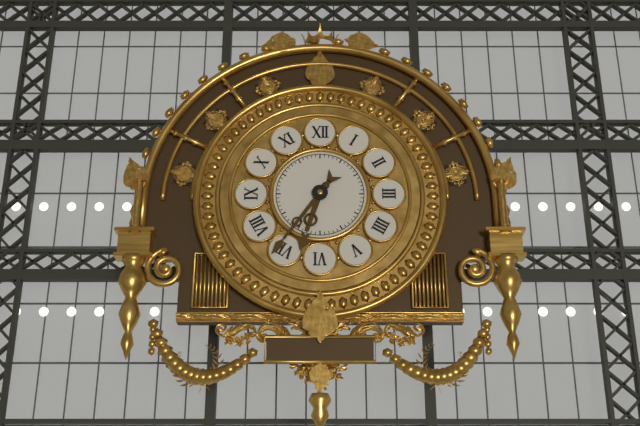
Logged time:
6:36
